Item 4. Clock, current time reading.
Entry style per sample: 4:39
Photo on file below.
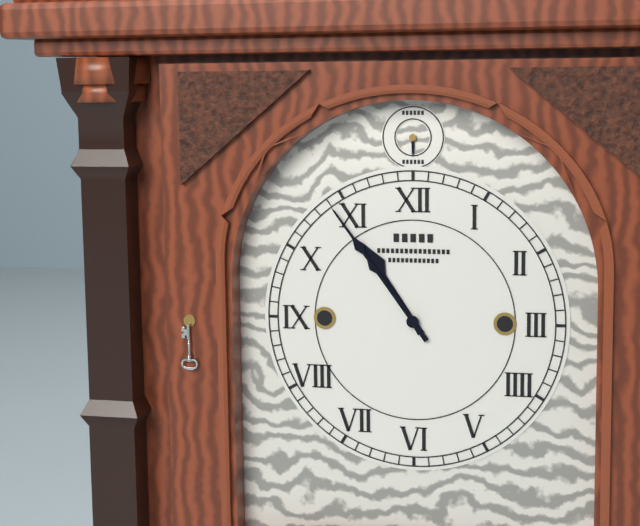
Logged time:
10:54
